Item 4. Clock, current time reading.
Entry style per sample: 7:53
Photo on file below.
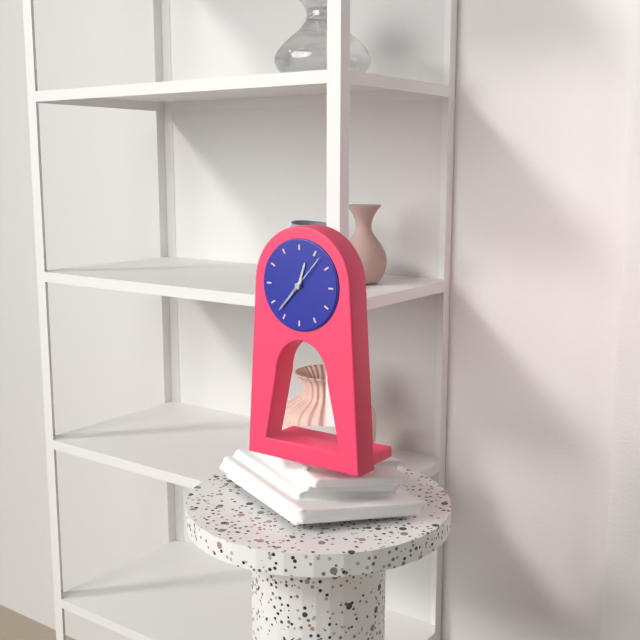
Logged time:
12:37
